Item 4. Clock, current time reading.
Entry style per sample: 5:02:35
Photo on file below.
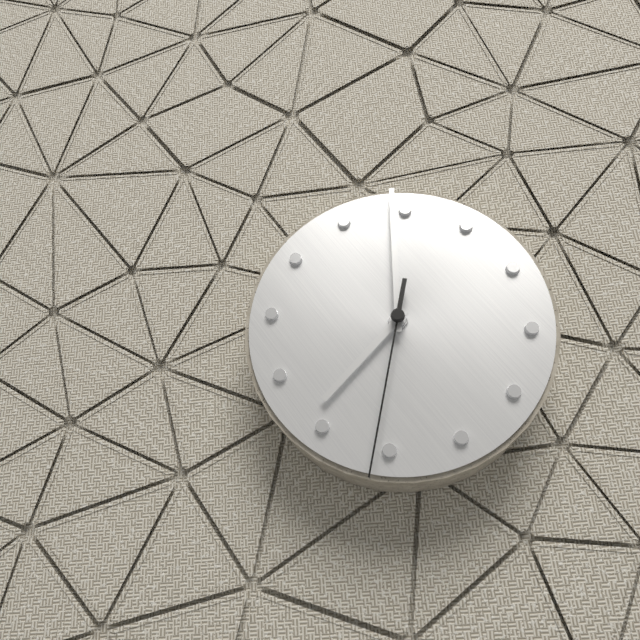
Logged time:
10:14:46
